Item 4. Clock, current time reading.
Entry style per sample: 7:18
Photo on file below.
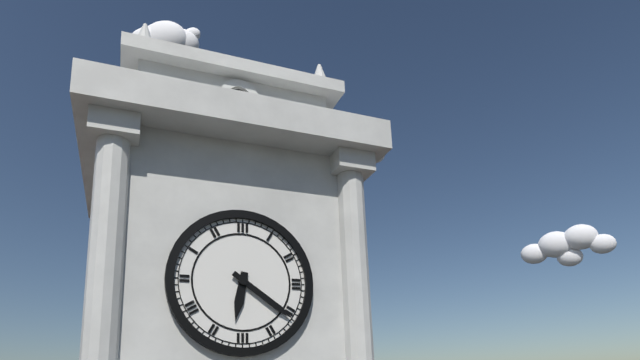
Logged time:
6:21
